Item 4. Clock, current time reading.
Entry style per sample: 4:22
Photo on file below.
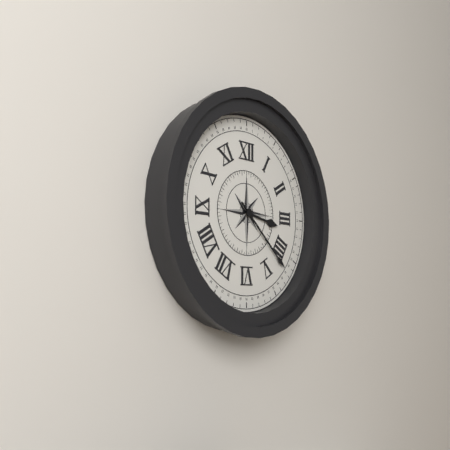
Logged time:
3:22
